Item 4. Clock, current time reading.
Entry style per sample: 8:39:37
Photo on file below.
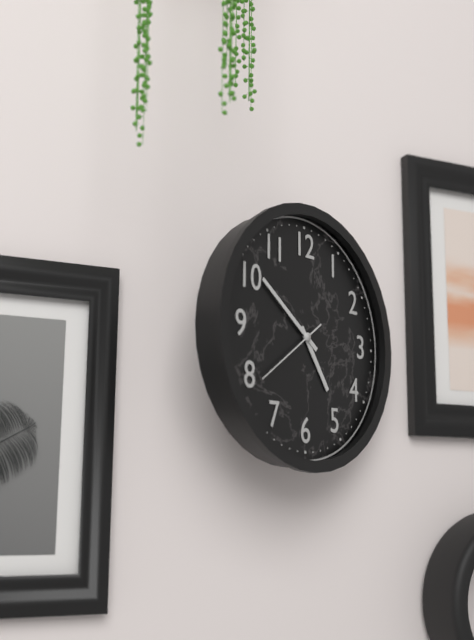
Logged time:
4:51:39
